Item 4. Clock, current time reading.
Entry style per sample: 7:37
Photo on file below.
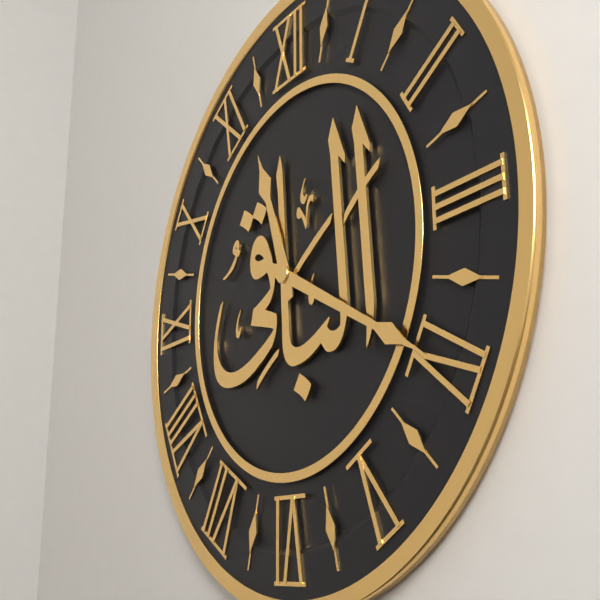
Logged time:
11:20
